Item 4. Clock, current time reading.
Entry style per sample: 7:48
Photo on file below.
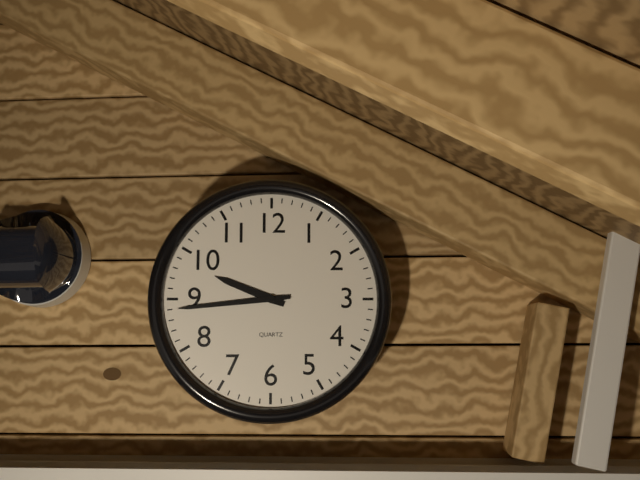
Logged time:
9:44
